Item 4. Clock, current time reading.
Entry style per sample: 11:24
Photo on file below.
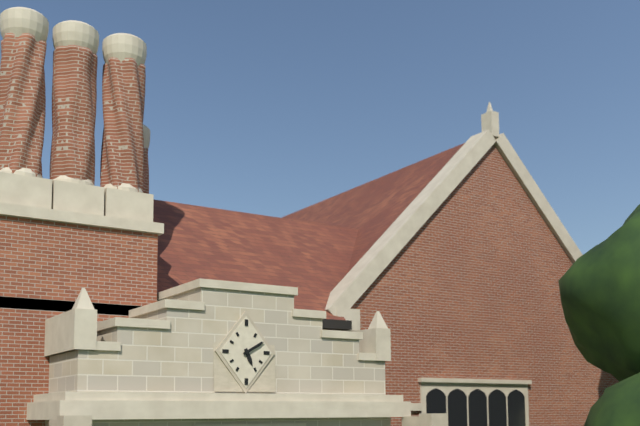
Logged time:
5:10
